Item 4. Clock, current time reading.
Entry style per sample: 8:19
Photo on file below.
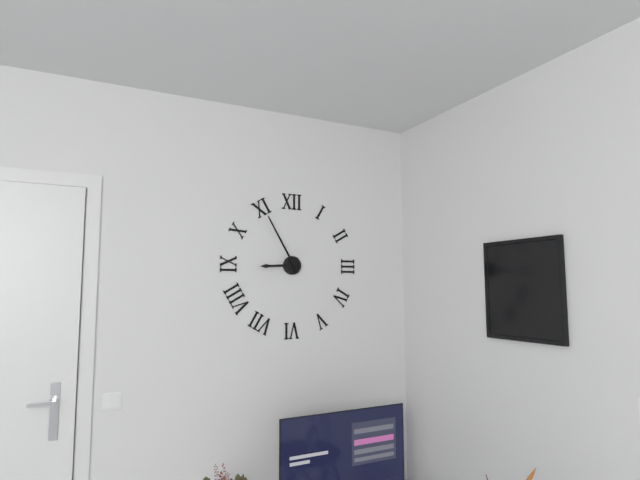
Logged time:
8:55
